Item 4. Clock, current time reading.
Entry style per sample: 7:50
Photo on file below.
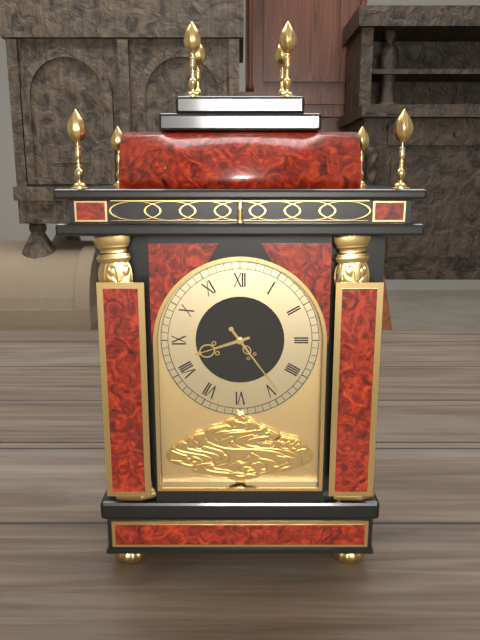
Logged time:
8:24
